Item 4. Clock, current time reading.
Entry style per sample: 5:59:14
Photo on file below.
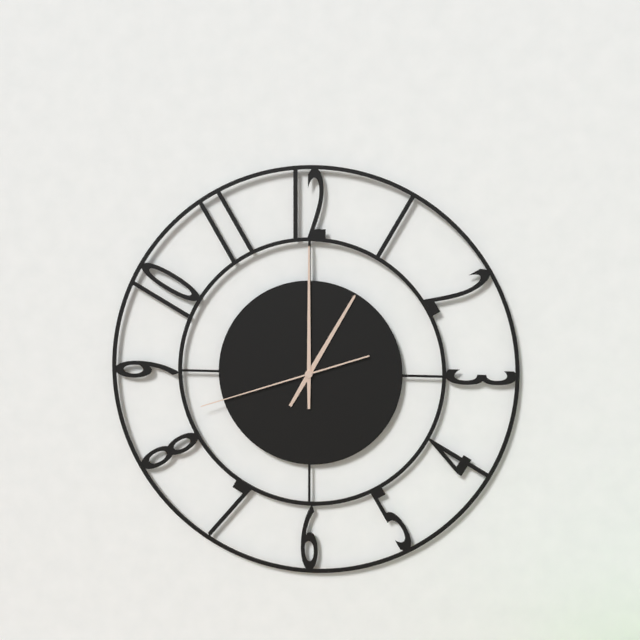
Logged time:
1:00:42
